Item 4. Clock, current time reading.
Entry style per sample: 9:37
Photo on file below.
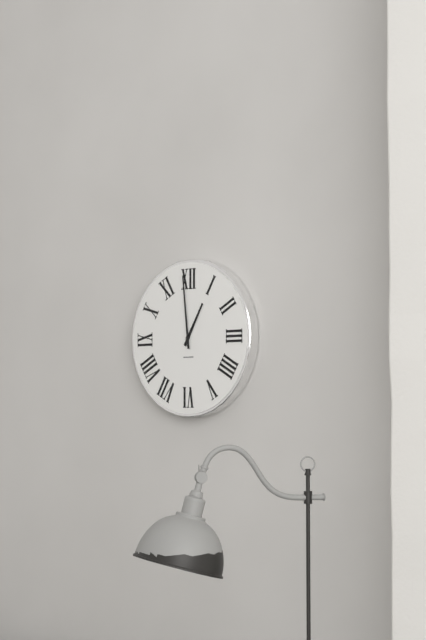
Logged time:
12:59
